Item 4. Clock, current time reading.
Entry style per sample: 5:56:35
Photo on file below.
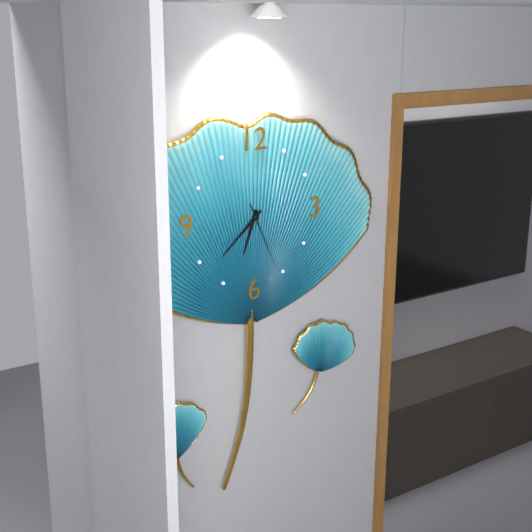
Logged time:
6:38:26
